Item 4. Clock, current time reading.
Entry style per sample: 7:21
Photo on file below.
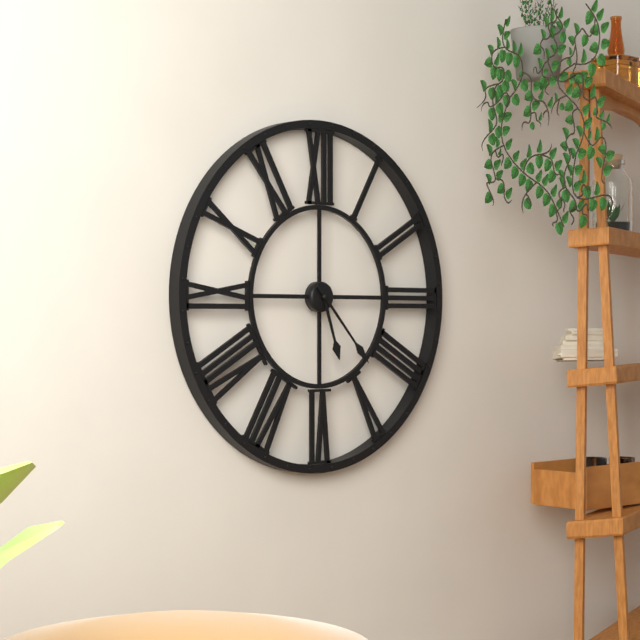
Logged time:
5:23
